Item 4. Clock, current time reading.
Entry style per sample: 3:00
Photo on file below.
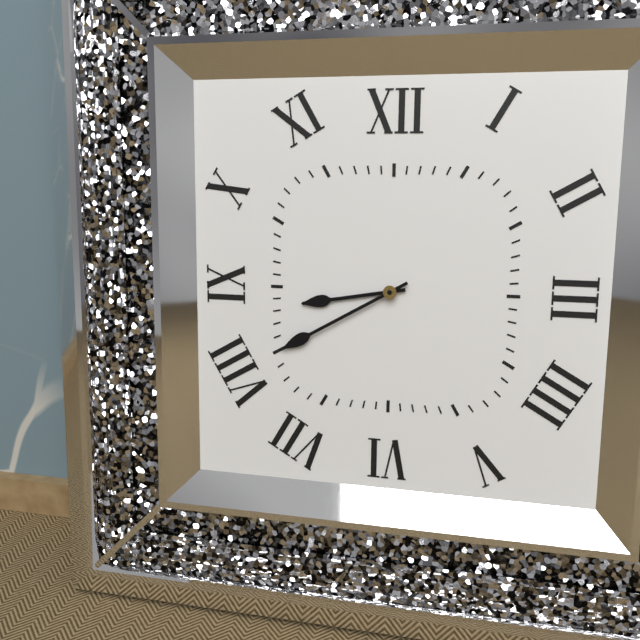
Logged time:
8:40
